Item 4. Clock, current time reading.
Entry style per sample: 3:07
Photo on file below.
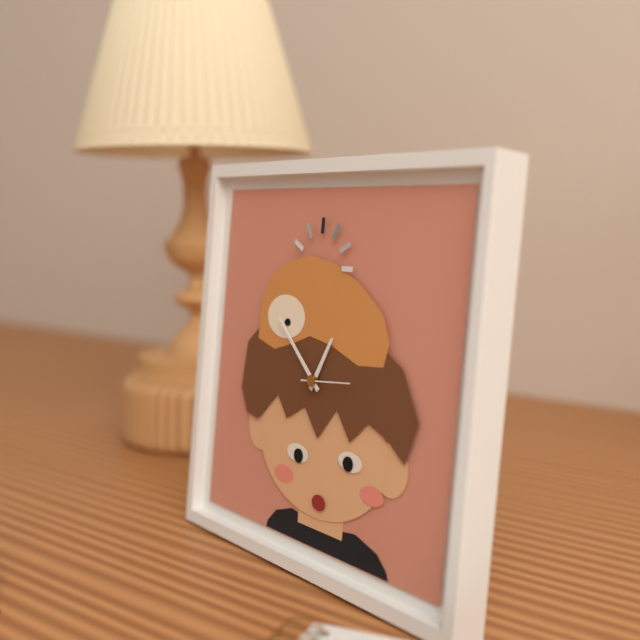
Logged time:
12:52
